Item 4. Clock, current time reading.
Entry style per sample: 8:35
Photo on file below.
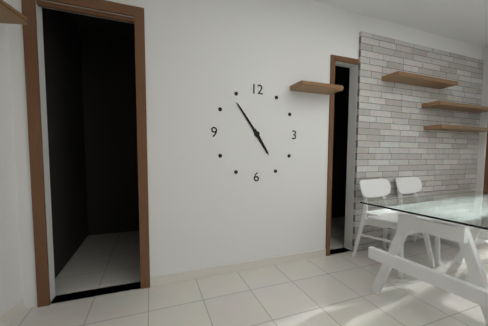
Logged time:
4:54
